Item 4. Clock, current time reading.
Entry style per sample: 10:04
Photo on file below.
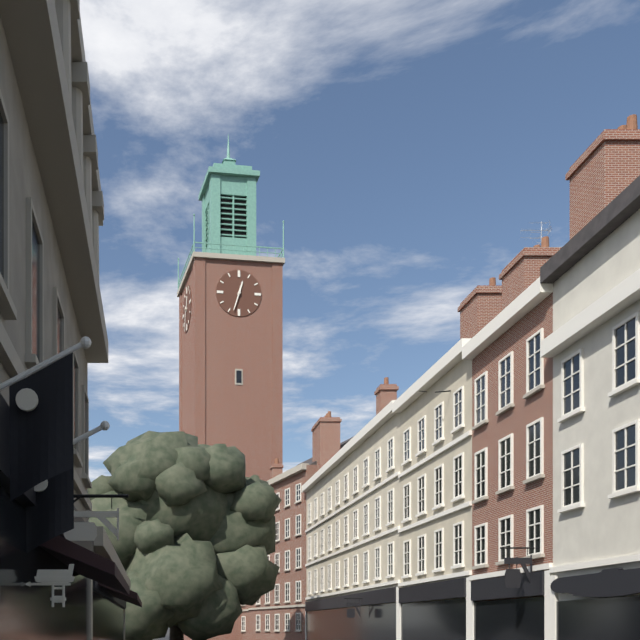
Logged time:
12:33
